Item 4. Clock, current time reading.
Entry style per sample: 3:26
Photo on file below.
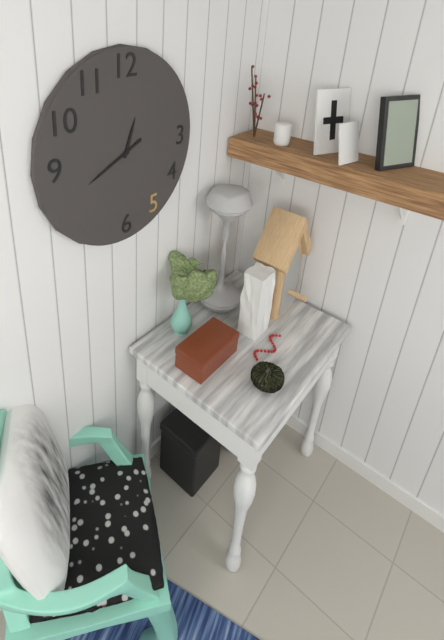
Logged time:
12:41
